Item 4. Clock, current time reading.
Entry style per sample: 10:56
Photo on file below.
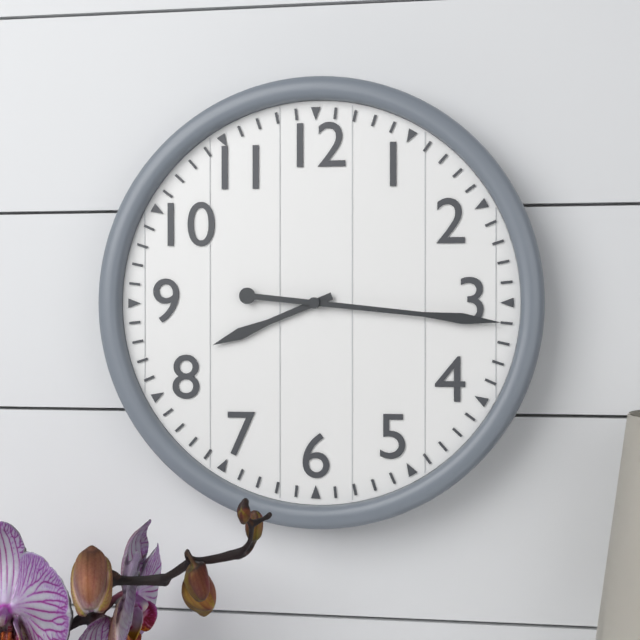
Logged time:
8:16
